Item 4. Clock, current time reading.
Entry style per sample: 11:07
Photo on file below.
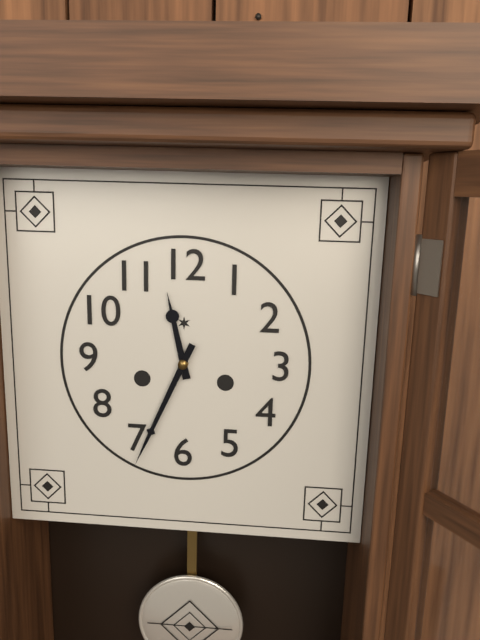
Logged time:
11:34
